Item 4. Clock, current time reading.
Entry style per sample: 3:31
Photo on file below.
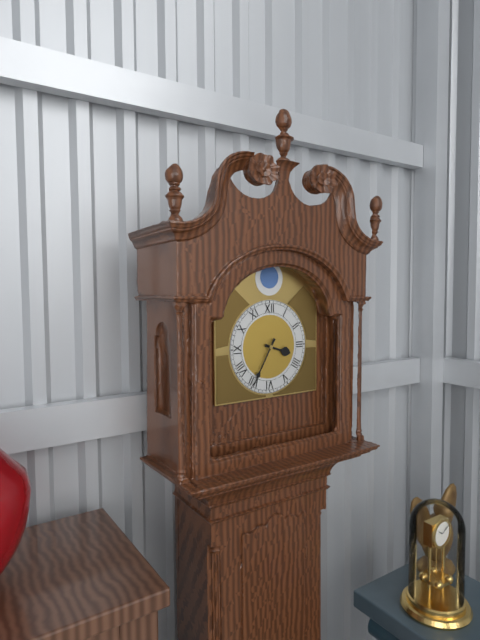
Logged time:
3:35
